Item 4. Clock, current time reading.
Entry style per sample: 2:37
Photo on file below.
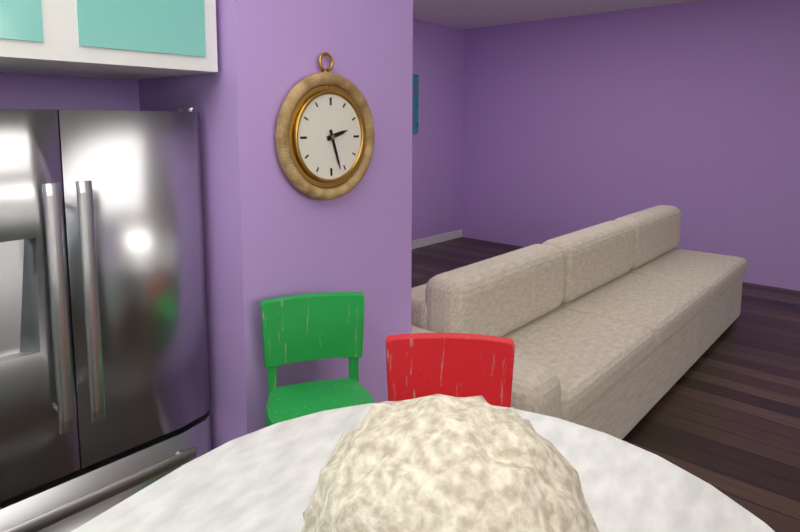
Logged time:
2:27
